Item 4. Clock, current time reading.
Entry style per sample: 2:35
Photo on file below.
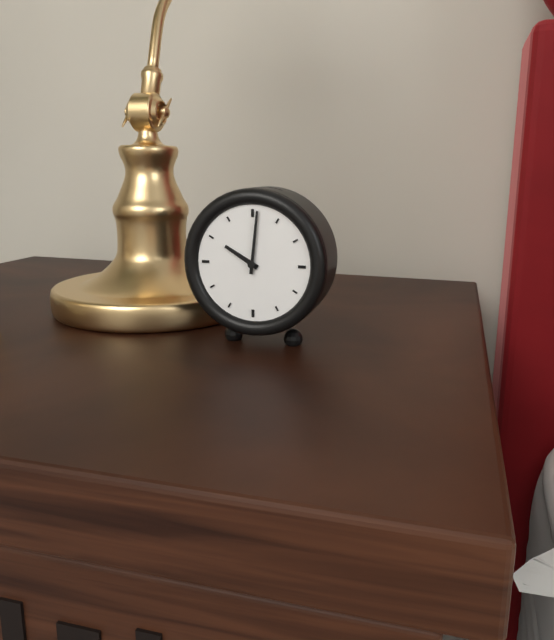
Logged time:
10:01
